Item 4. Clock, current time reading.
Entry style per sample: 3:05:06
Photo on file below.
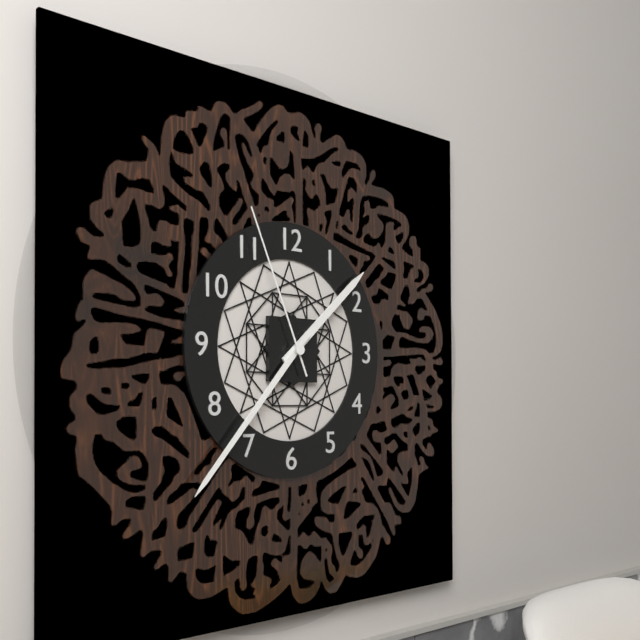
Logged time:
1:37:56
